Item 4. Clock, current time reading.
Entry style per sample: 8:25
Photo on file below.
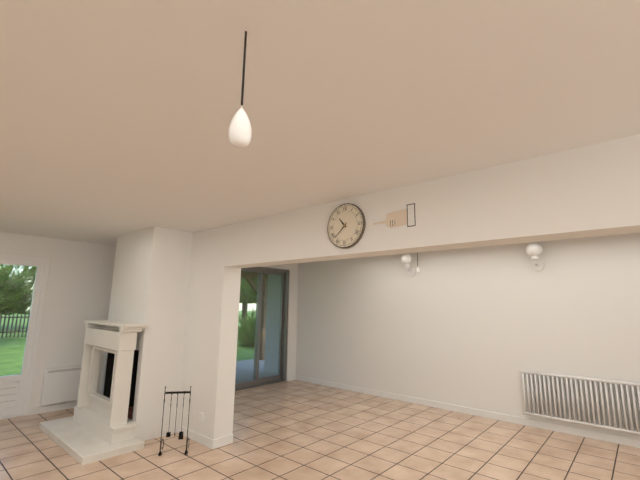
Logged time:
10:38
